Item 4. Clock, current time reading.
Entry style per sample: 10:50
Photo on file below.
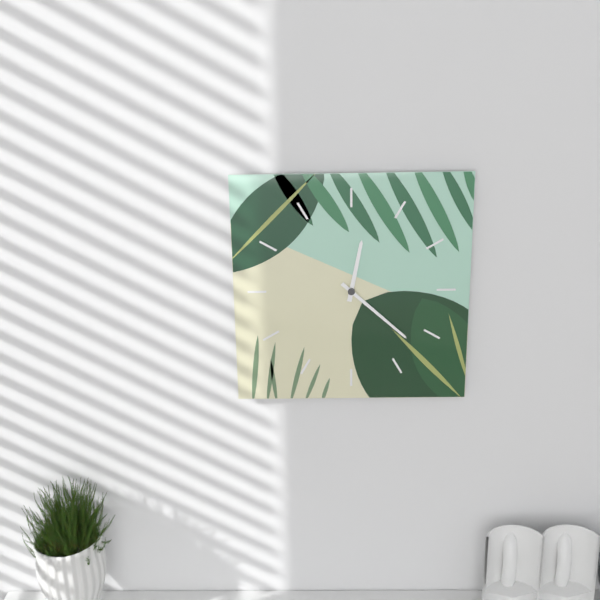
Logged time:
12:22
